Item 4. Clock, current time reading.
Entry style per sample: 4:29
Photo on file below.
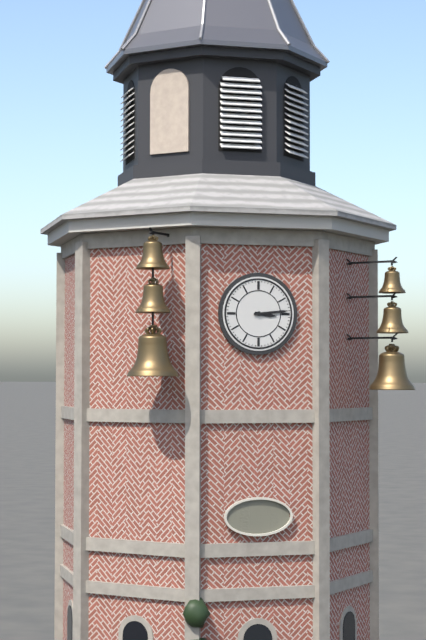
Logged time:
3:14
